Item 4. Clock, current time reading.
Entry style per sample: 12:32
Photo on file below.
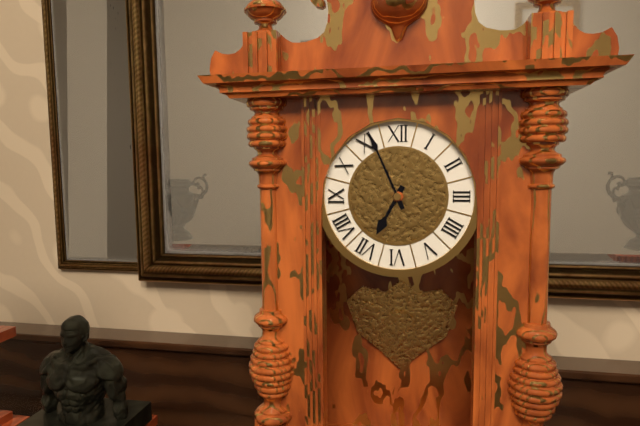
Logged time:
6:56
